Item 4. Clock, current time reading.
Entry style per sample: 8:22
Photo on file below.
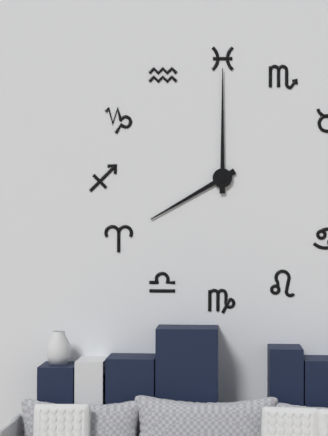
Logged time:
8:00
